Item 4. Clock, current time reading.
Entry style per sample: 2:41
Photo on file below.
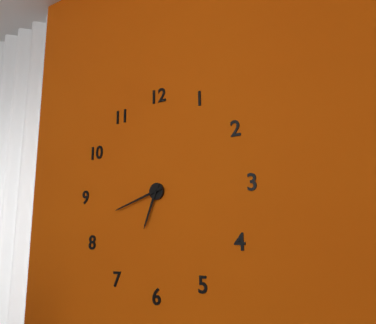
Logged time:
6:42
